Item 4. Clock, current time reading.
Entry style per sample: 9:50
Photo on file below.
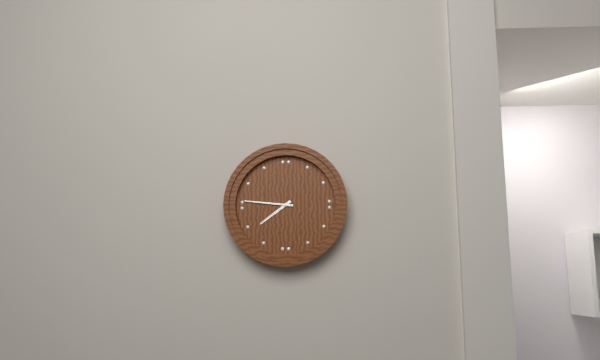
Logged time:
7:46
